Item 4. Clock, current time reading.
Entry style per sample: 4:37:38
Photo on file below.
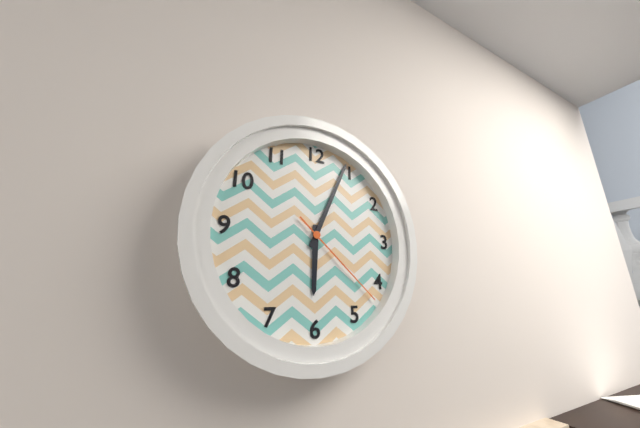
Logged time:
6:04:22
